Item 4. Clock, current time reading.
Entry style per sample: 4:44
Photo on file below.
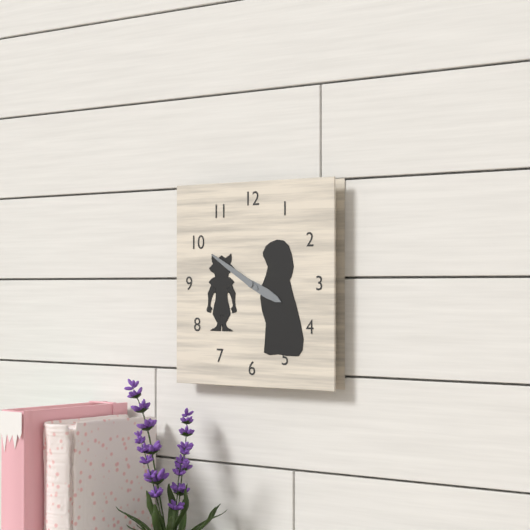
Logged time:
3:50
